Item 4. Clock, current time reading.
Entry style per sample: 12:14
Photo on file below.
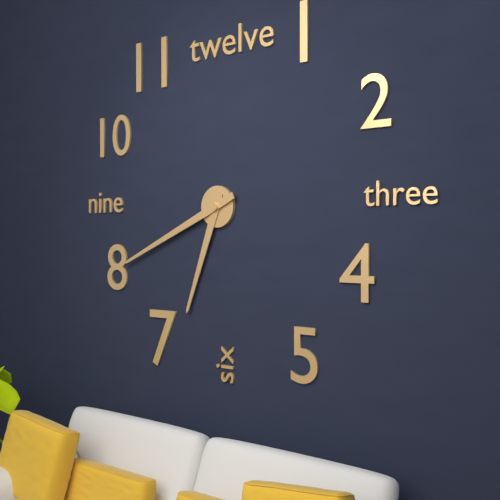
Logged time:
6:41
